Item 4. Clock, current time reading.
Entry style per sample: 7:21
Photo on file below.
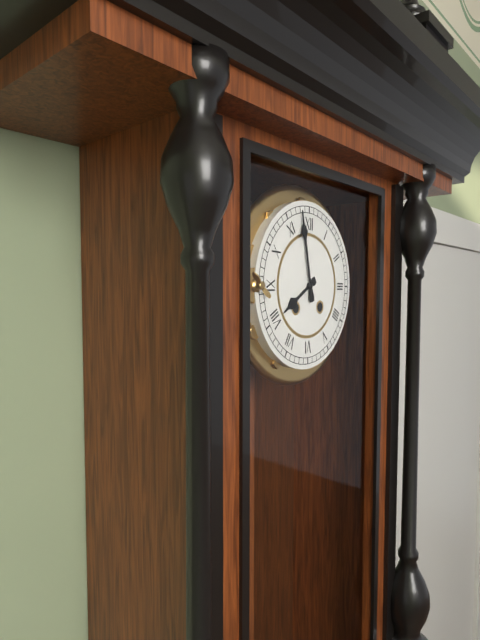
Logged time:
7:58
